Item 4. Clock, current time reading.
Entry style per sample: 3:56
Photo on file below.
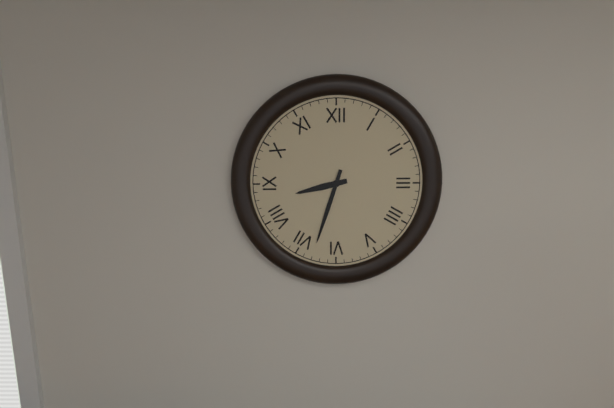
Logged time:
8:33
